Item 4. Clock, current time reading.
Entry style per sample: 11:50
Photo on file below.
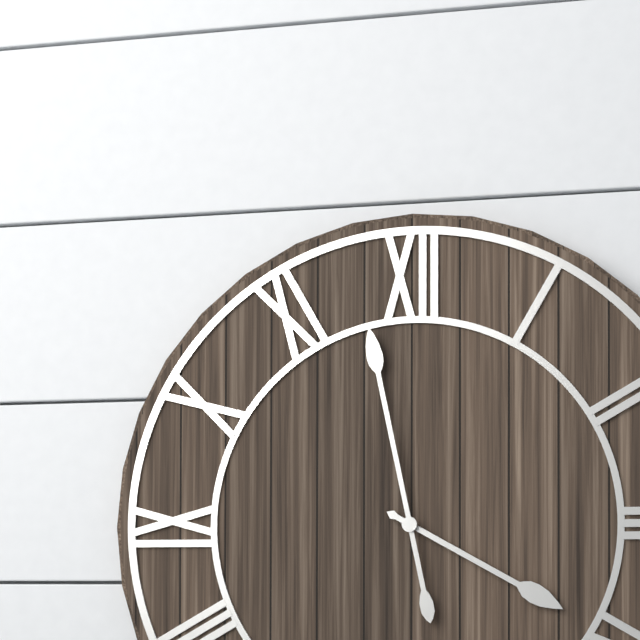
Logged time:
3:58
